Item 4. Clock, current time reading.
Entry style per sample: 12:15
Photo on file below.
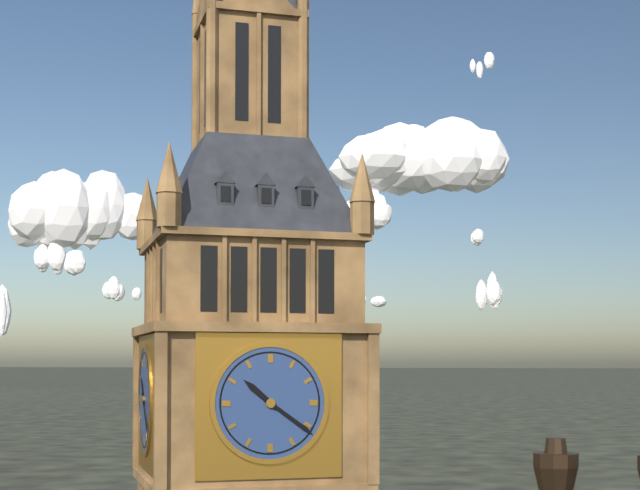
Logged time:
10:21
